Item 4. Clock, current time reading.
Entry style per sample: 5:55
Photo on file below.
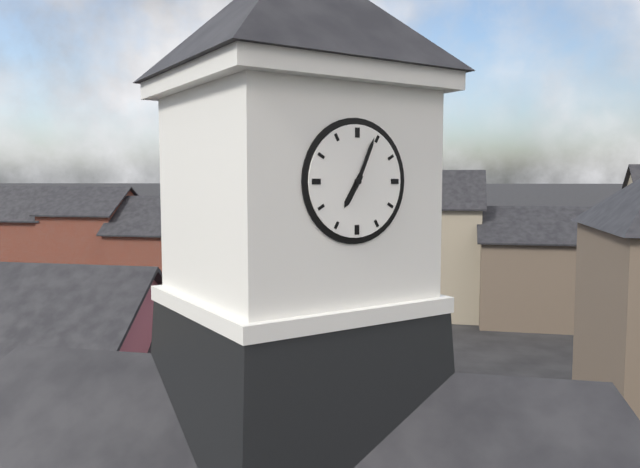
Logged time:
7:04
